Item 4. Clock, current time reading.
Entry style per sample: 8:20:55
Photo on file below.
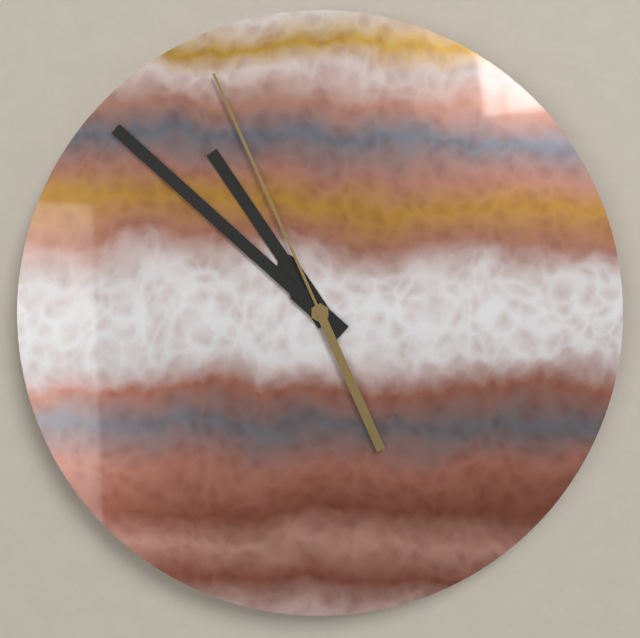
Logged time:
10:52:56
